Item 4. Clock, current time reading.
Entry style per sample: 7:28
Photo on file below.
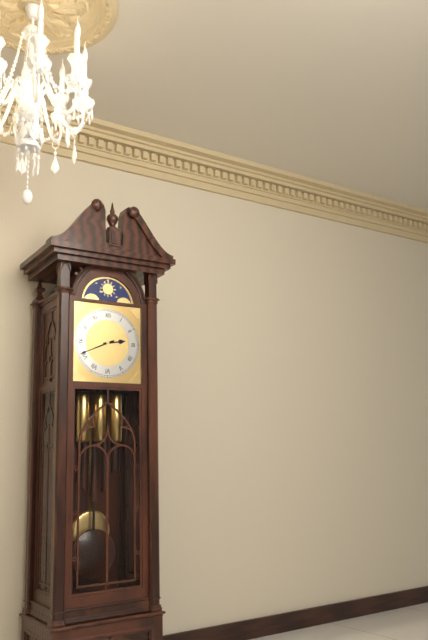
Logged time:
2:41
